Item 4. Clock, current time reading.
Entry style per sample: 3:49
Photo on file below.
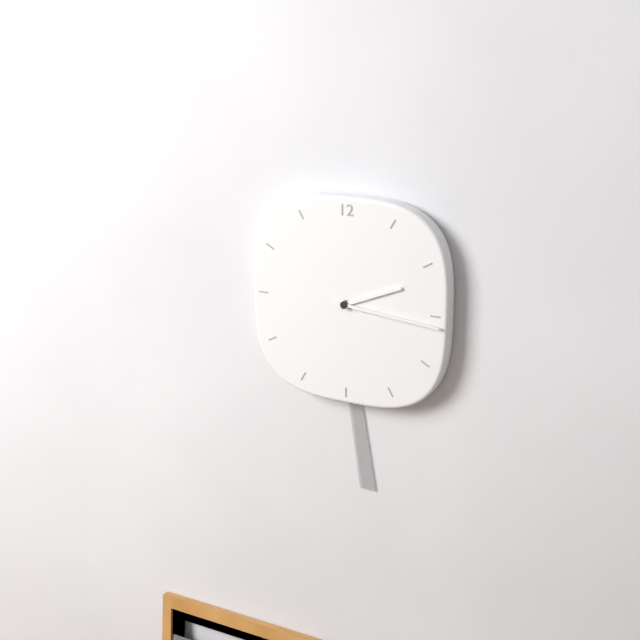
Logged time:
2:16
